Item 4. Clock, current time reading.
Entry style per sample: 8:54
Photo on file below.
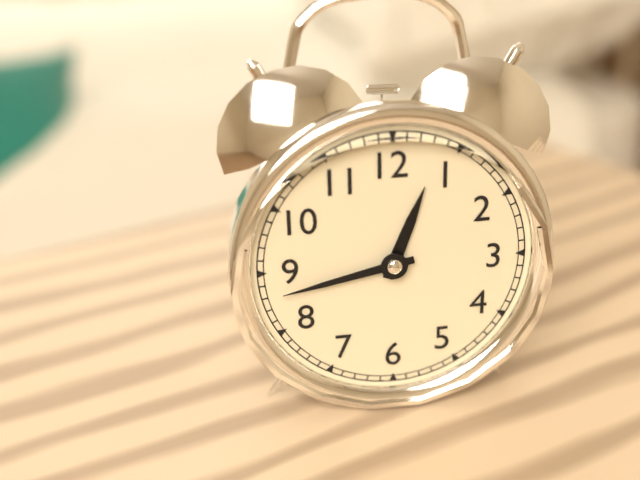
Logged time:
12:43
